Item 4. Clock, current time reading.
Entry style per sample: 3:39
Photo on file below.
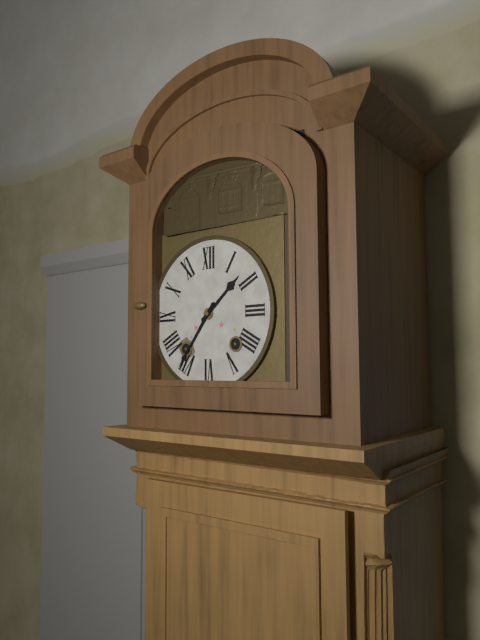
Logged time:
1:36
